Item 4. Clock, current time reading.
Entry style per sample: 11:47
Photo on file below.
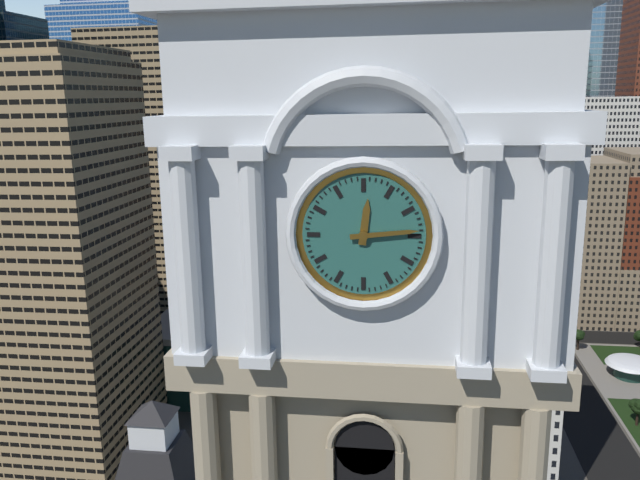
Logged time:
12:14
